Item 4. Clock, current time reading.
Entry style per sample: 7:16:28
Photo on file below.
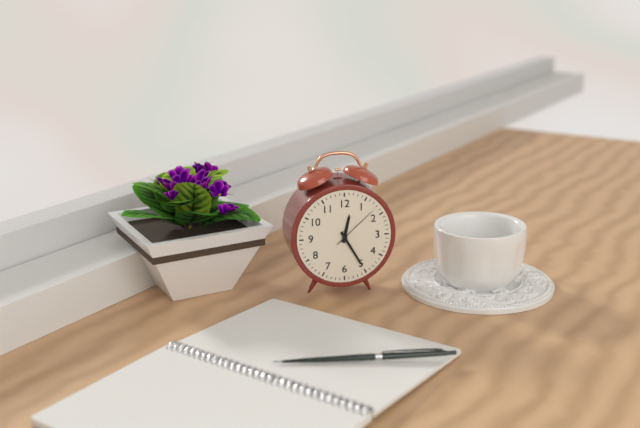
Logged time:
12:25:08
